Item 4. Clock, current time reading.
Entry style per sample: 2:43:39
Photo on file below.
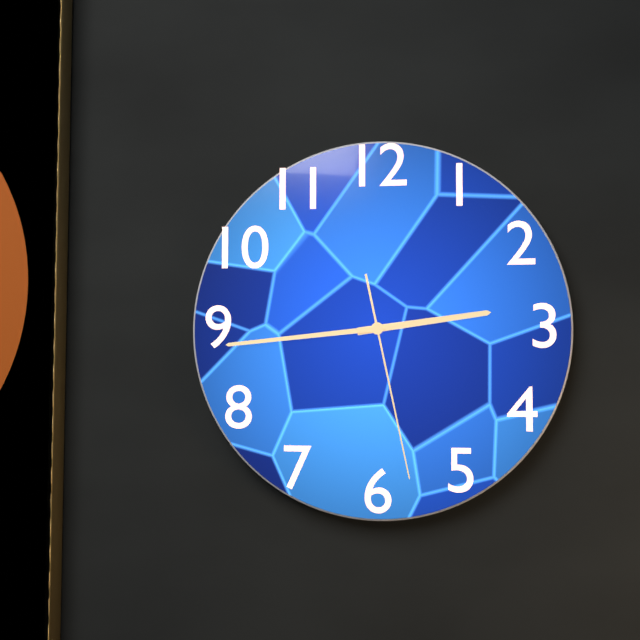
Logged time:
2:44:28
